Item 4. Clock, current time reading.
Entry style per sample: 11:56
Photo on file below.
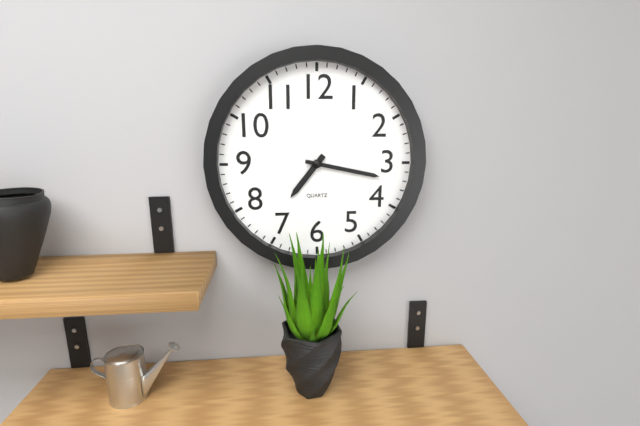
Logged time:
7:17
